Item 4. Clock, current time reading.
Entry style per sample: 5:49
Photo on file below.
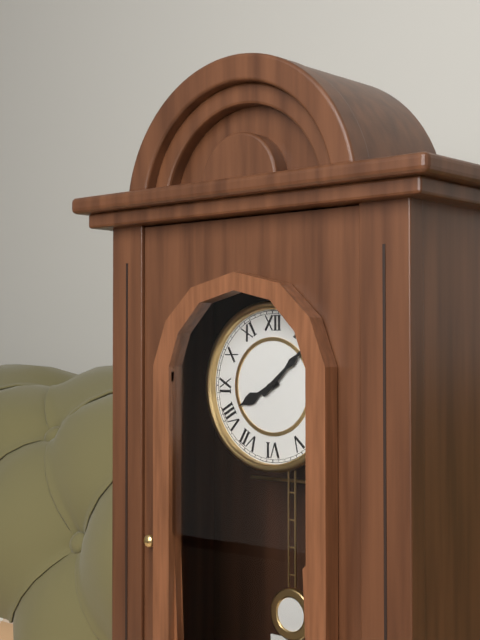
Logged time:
8:08
